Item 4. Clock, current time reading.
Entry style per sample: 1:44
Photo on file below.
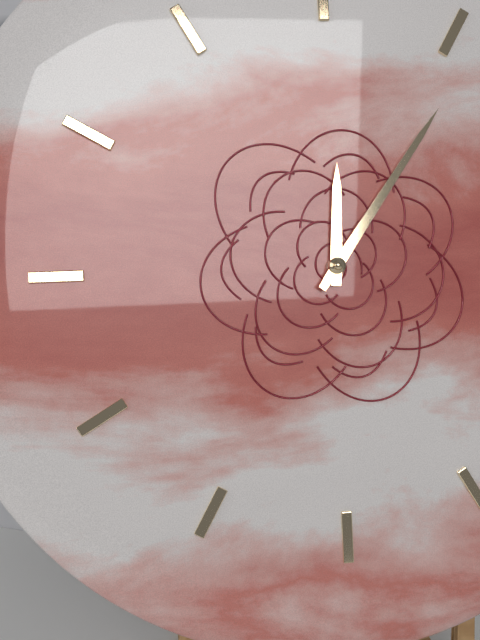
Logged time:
12:06
